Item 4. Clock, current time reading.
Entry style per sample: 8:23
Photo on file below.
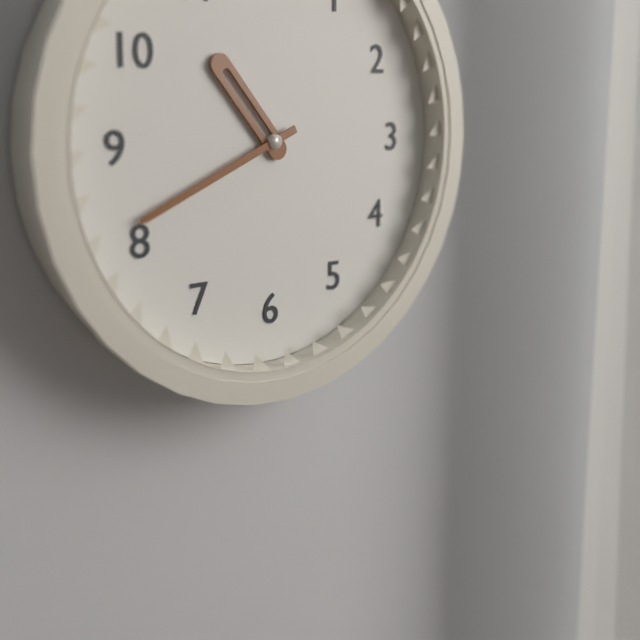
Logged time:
10:41
